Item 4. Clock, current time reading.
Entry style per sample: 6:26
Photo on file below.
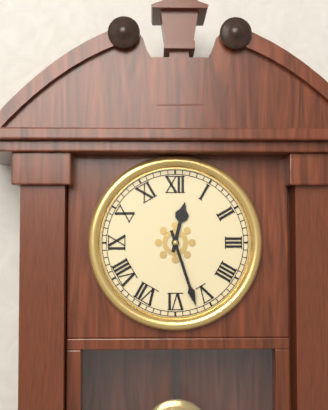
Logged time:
12:27
